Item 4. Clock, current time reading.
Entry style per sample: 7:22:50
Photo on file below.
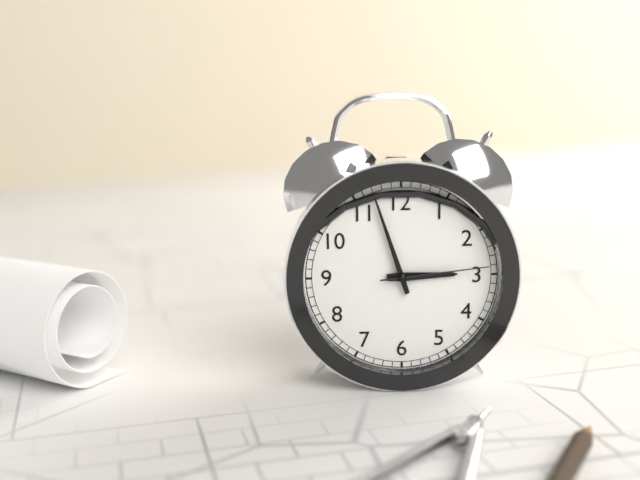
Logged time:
2:57:14
